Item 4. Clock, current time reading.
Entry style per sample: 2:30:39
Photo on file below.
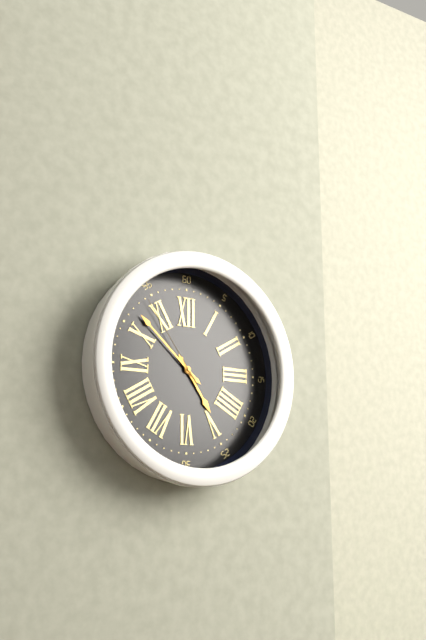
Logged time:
4:52:54
